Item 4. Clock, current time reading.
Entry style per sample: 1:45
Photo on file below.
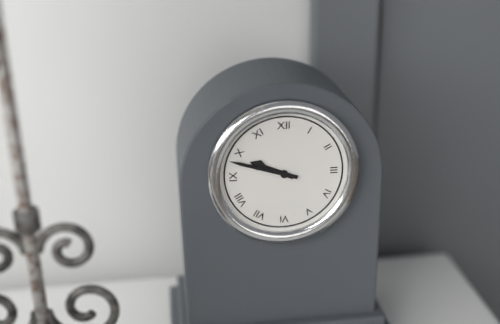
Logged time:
9:48
